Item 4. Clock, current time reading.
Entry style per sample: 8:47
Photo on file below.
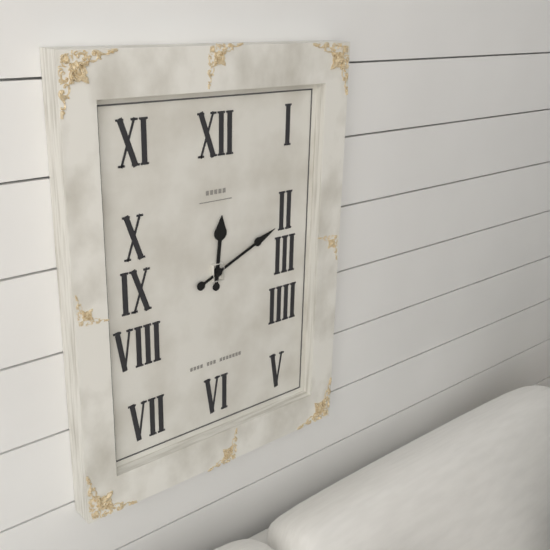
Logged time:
12:11
